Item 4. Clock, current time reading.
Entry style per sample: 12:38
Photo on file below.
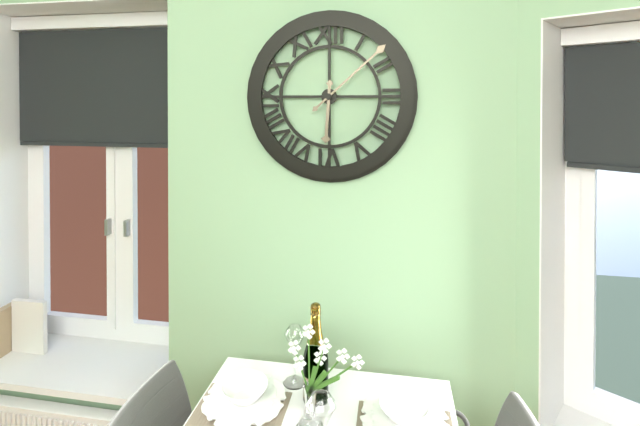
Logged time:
6:08
